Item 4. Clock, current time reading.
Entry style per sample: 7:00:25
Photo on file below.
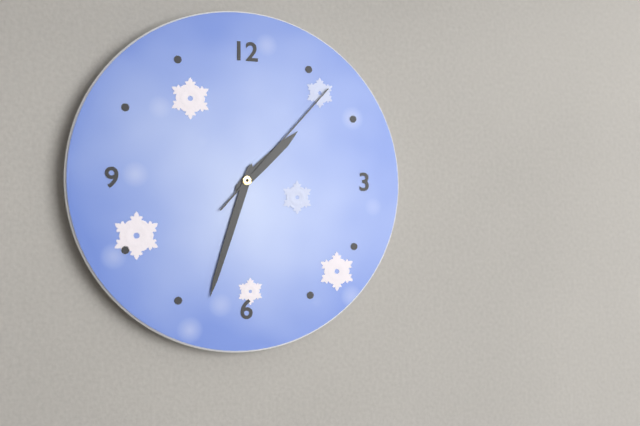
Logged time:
1:33:07
